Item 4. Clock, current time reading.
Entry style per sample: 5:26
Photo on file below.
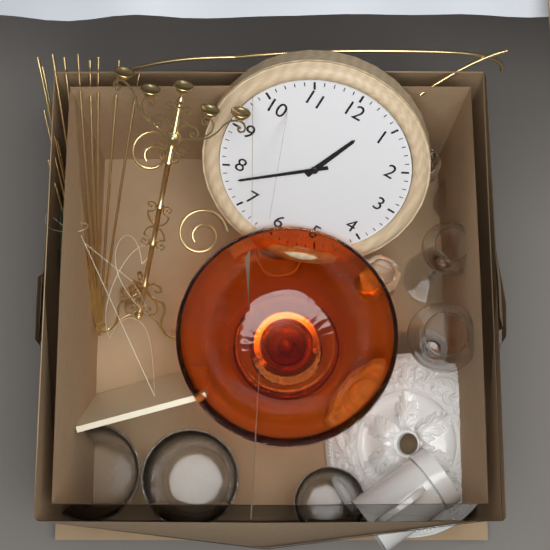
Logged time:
12:38
